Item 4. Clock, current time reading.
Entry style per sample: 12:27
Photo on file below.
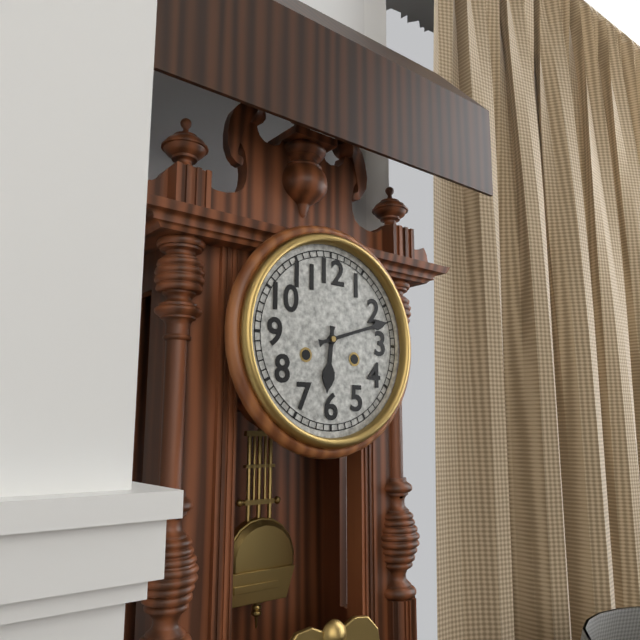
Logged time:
6:12
